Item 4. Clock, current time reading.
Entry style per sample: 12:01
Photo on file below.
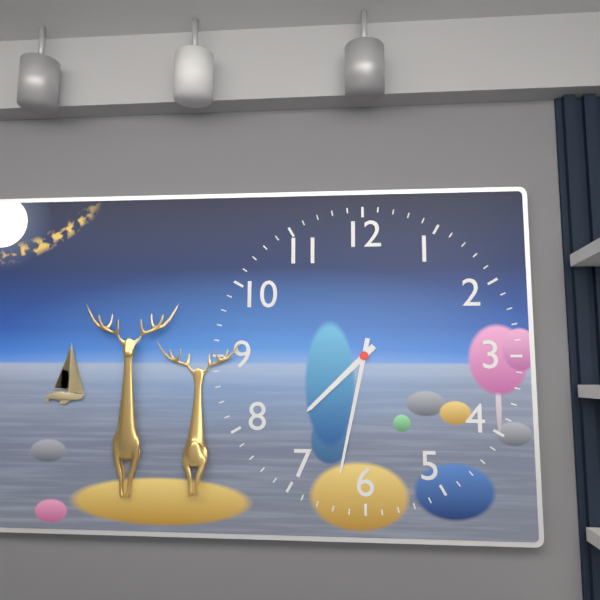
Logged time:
7:32
